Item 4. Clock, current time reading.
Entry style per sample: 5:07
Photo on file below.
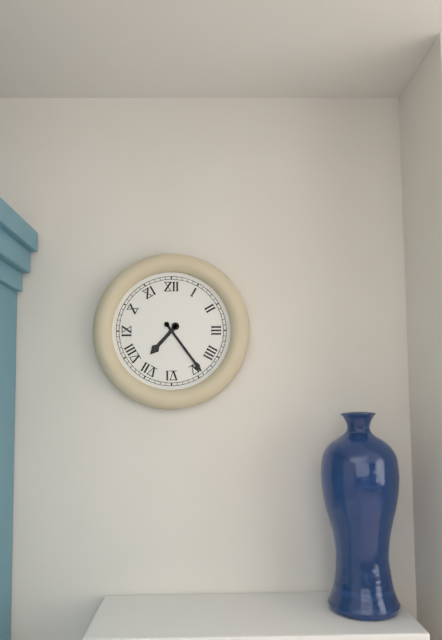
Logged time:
7:24
